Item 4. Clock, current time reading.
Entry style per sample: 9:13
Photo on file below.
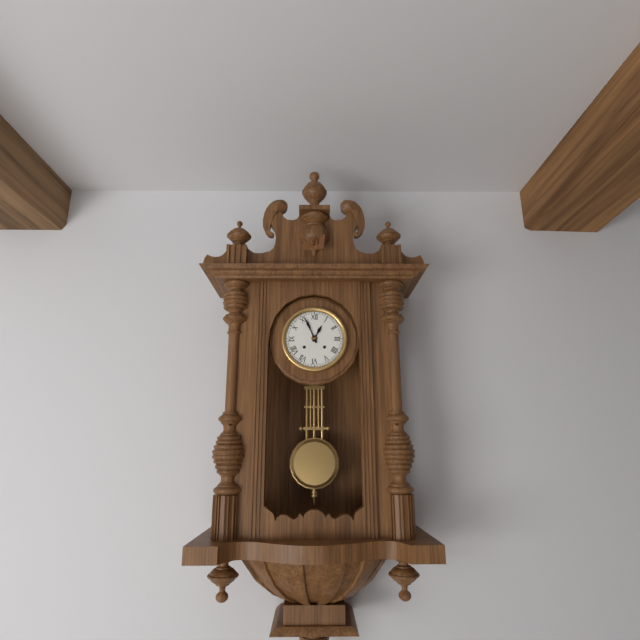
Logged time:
12:56
